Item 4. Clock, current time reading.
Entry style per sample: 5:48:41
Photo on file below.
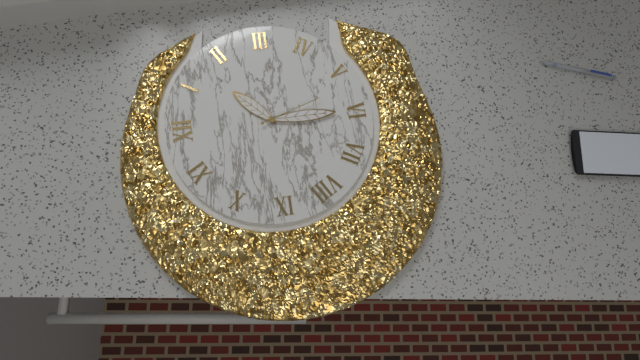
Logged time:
1:30:27
